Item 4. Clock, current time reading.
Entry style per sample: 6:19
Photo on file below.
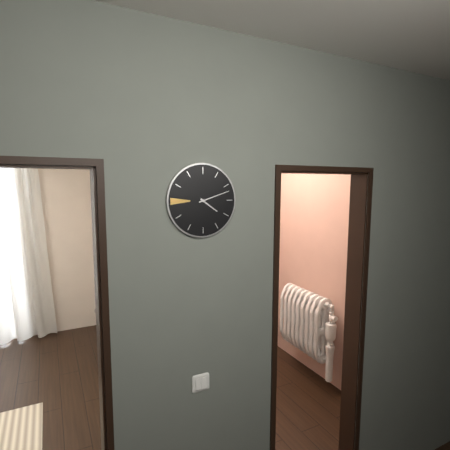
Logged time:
4:12
